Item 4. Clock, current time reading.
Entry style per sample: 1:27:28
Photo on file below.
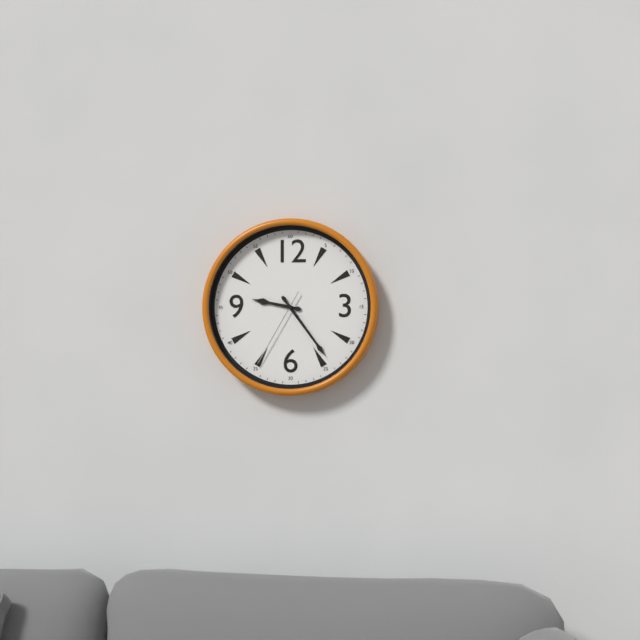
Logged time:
9:24:35
